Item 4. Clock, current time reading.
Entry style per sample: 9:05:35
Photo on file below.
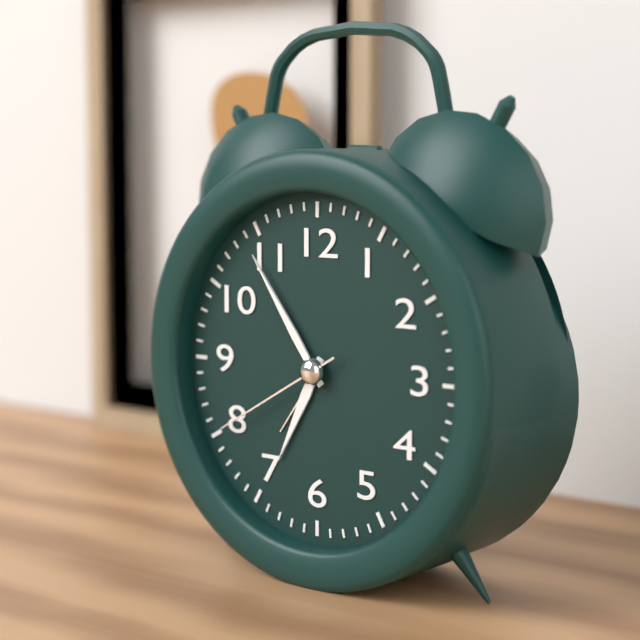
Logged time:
6:54:40
